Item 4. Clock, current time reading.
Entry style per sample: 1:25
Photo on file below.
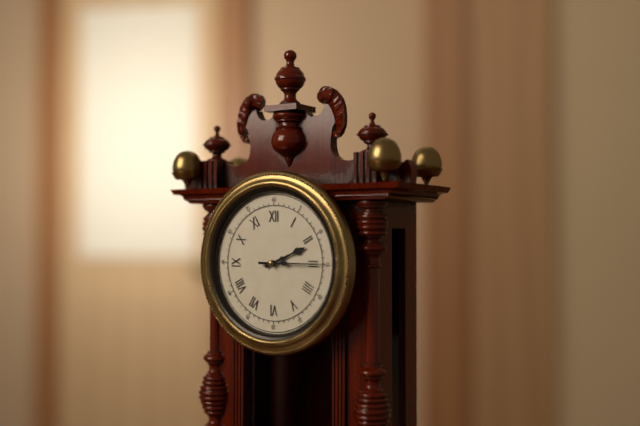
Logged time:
2:15
